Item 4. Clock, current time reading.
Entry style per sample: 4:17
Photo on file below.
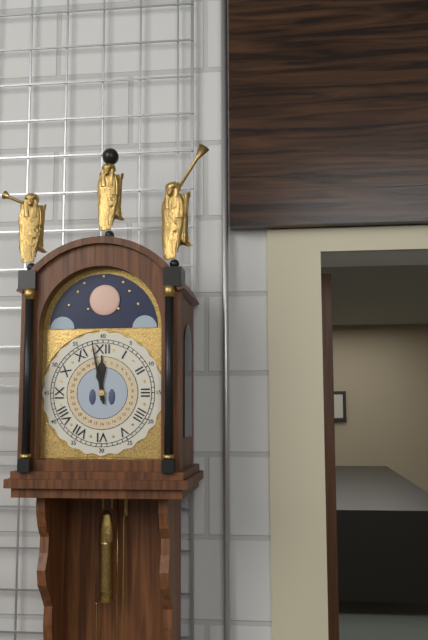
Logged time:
11:58
